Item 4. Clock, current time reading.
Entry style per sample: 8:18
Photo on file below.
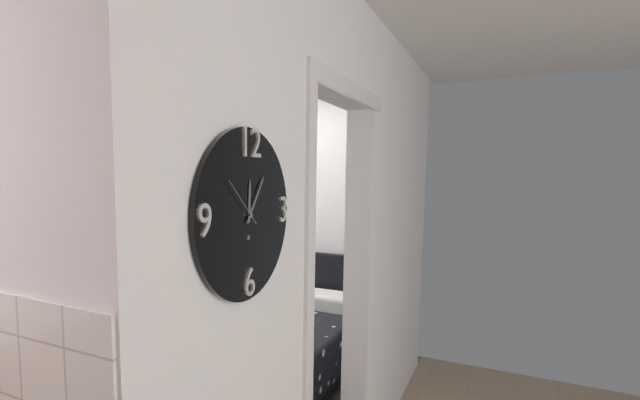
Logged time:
12:06
